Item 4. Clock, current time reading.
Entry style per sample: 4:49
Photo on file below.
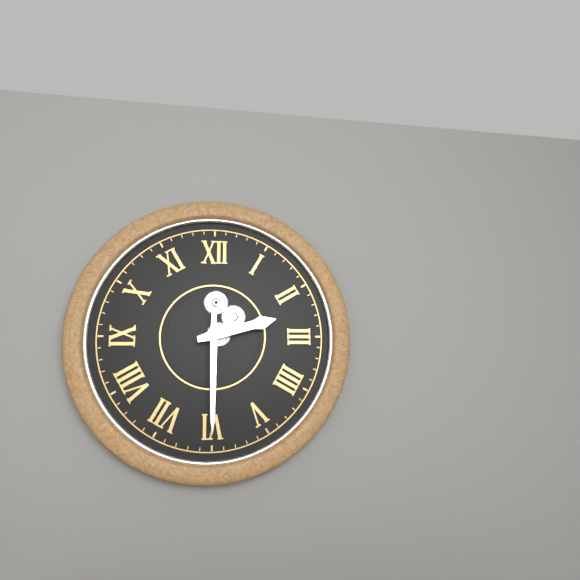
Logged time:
2:30
